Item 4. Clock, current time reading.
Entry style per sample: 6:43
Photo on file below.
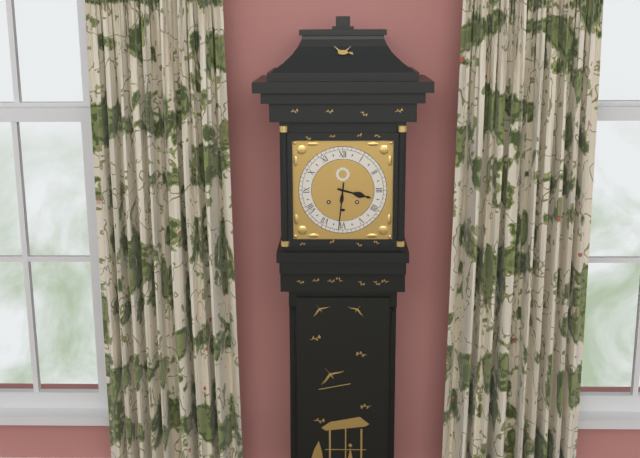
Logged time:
3:31
